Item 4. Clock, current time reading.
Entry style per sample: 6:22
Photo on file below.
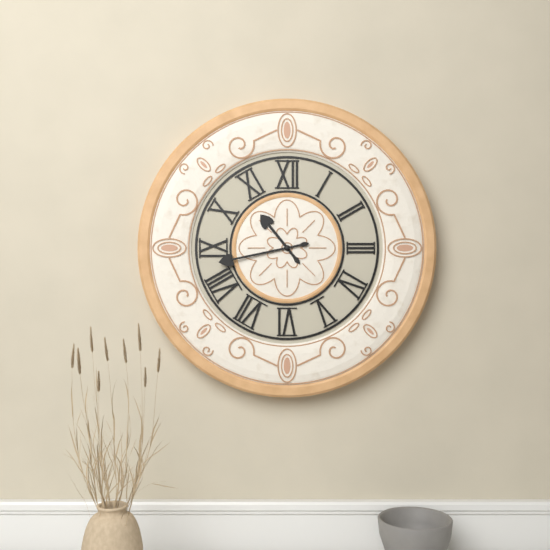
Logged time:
10:43
